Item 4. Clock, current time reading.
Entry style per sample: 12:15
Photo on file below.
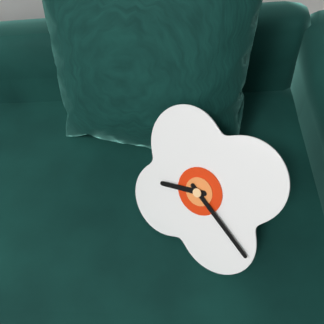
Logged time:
8:19
